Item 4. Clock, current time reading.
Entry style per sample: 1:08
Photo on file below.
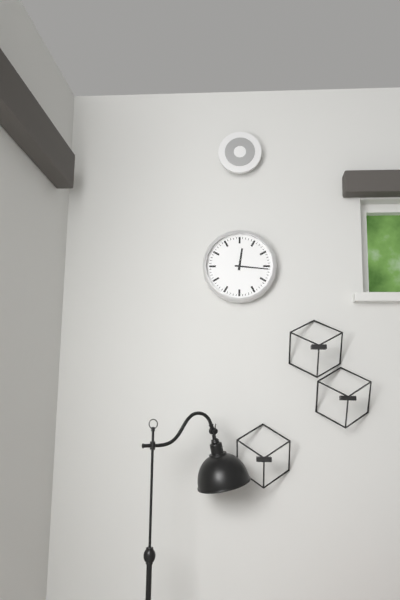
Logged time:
12:16
